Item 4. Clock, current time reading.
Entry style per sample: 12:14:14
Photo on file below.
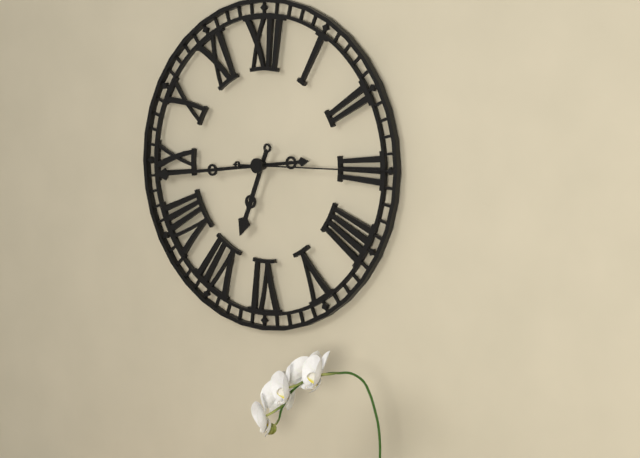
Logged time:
6:44:15
